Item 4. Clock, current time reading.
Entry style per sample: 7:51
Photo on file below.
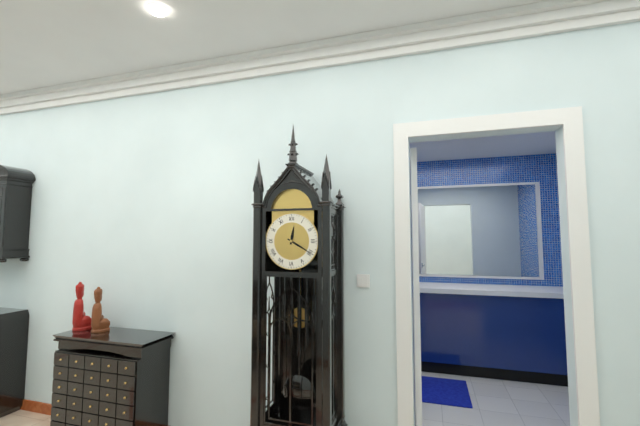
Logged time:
12:20
